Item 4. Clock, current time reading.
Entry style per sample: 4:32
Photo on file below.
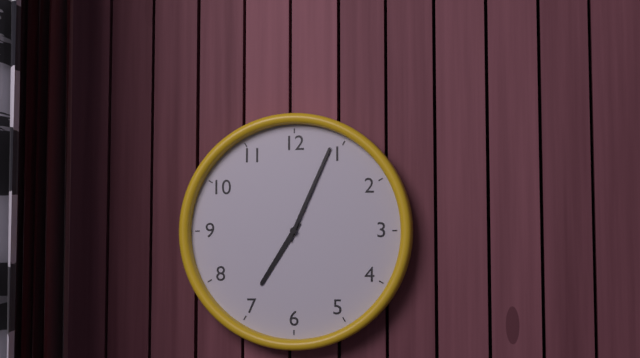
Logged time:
7:04
